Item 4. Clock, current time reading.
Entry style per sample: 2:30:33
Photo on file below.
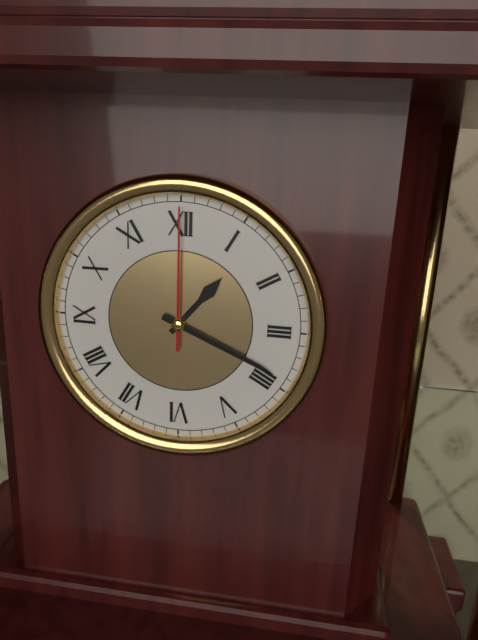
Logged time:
1:19:00
